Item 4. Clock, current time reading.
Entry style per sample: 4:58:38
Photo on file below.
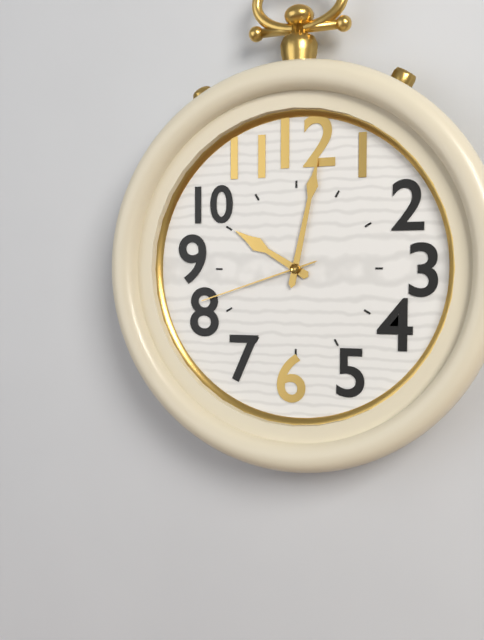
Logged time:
10:02:42
